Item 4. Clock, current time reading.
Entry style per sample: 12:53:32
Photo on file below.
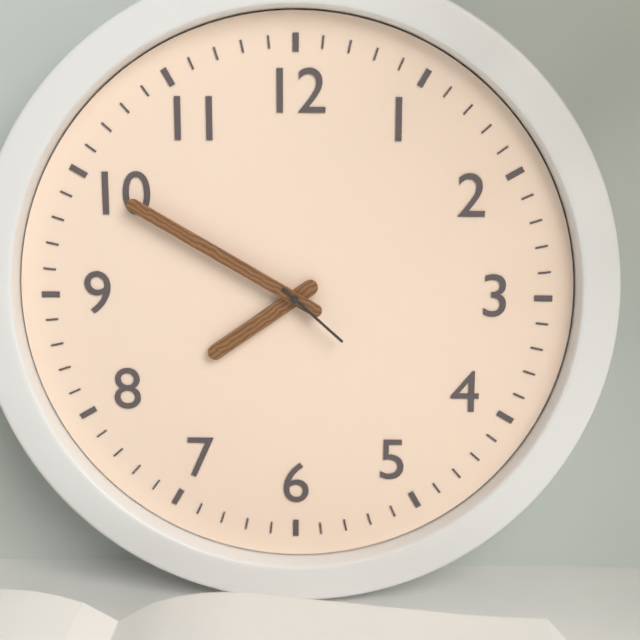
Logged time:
7:50:22
